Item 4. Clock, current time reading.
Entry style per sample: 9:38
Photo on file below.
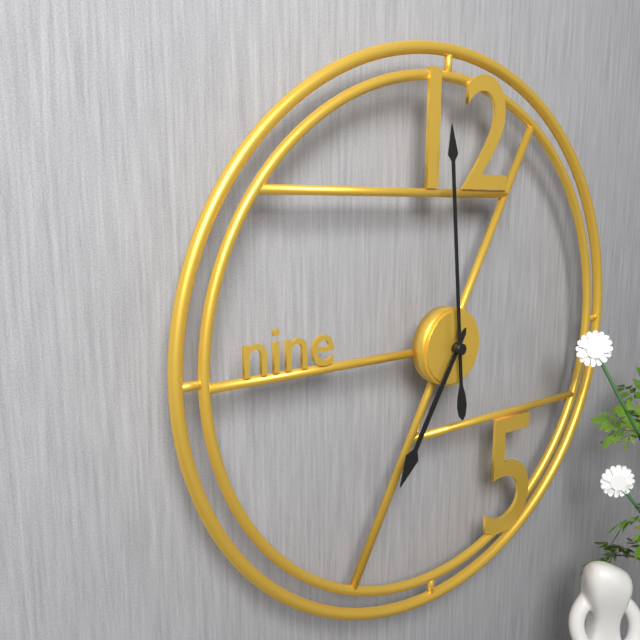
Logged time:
6:59
